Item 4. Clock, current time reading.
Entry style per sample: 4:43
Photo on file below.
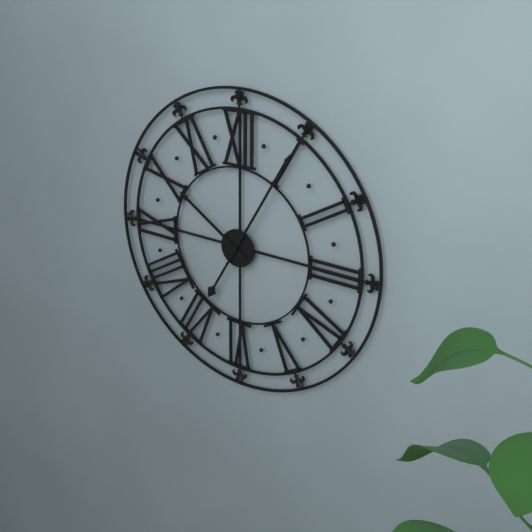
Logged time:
10:05
